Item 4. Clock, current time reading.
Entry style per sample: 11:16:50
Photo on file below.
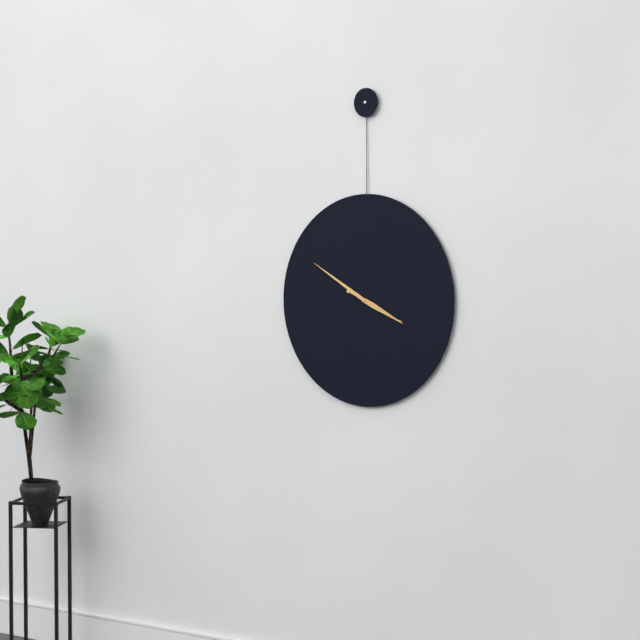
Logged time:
3:50:19
